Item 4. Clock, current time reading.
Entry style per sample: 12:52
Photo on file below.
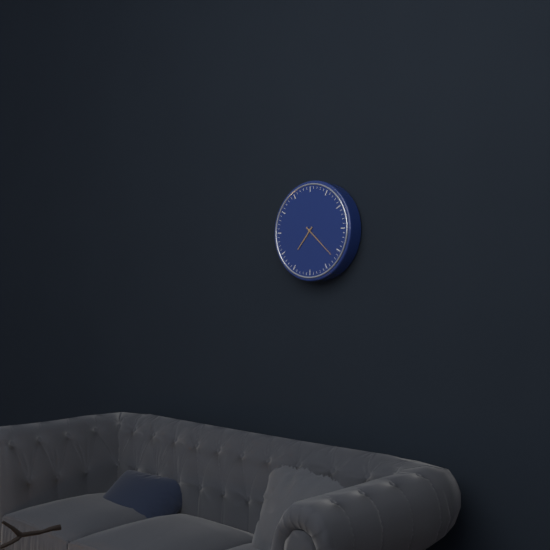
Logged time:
7:22
